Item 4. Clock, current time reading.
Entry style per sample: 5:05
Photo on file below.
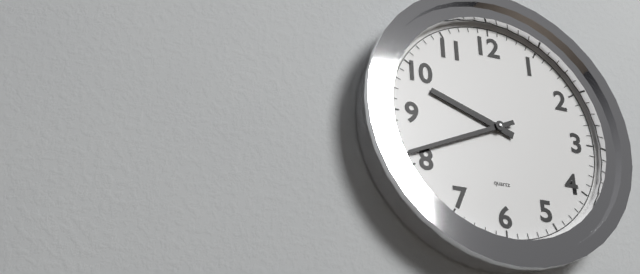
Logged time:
9:41
